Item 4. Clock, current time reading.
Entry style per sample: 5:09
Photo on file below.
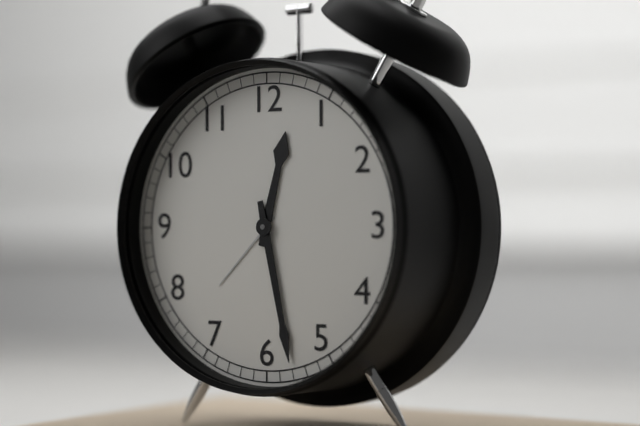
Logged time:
12:28
